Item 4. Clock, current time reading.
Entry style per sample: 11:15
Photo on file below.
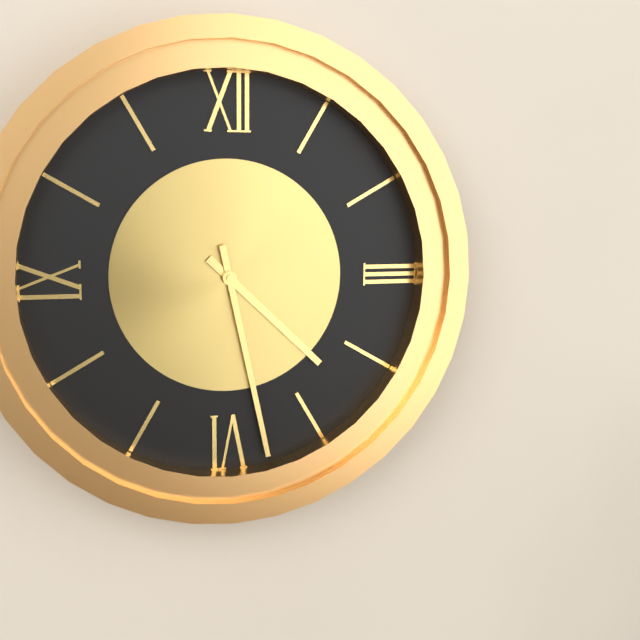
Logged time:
4:28
